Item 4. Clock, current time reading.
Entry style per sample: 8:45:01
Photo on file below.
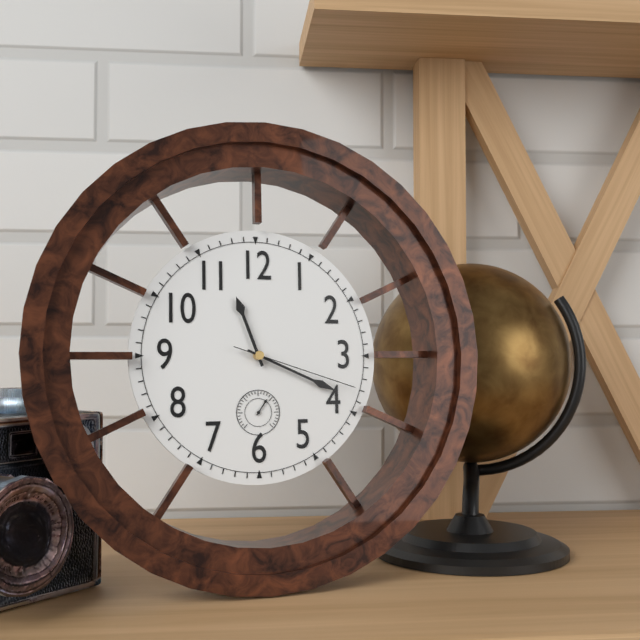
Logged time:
11:19:18
